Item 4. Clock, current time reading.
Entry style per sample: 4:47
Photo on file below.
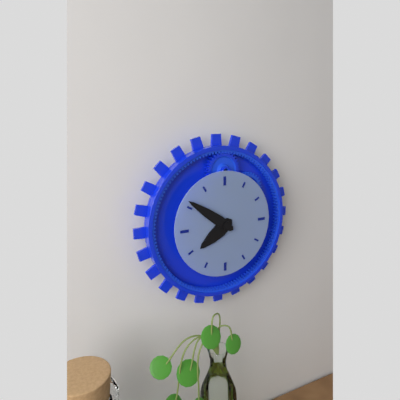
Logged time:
7:51
